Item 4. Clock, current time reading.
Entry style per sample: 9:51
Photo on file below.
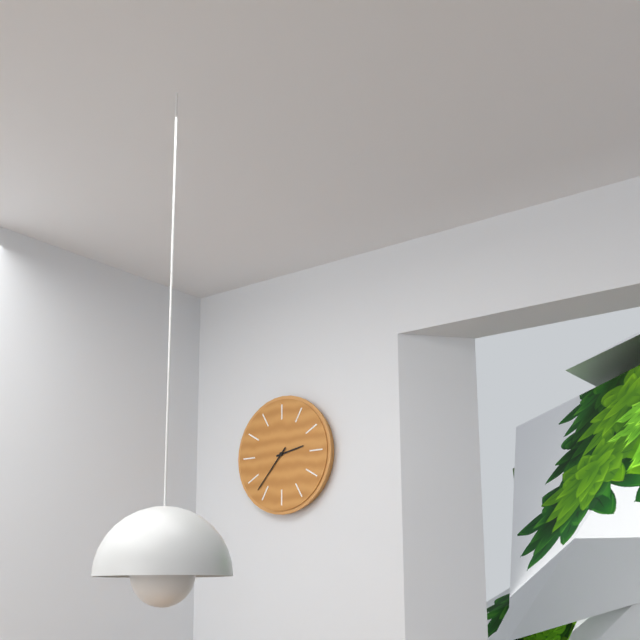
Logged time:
2:37
